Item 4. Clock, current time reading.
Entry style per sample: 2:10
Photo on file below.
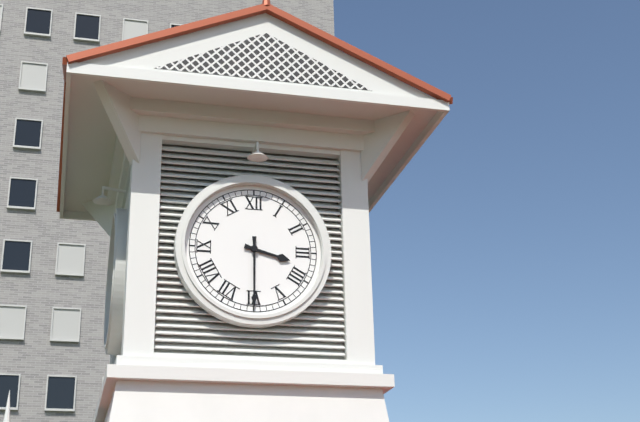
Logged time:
3:30
